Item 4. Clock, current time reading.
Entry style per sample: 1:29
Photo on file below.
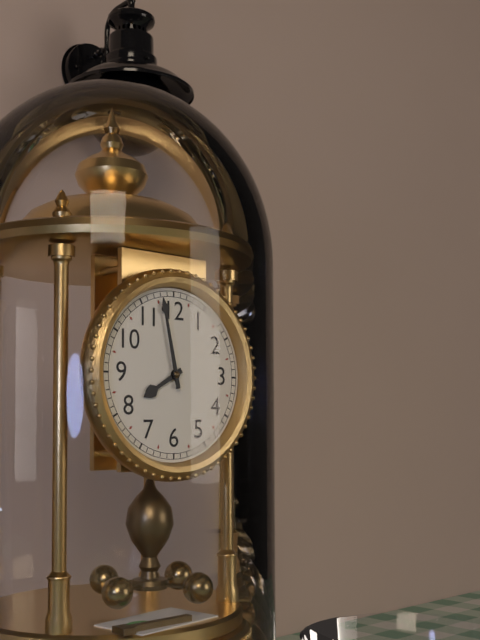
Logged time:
7:58
